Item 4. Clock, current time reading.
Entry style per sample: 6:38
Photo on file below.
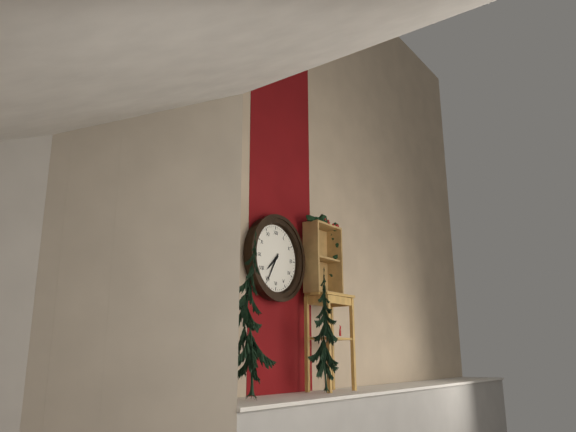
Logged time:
7:35
